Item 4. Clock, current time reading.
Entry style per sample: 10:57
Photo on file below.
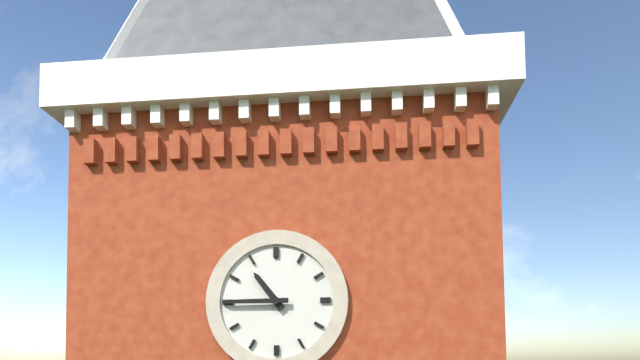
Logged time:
10:45
